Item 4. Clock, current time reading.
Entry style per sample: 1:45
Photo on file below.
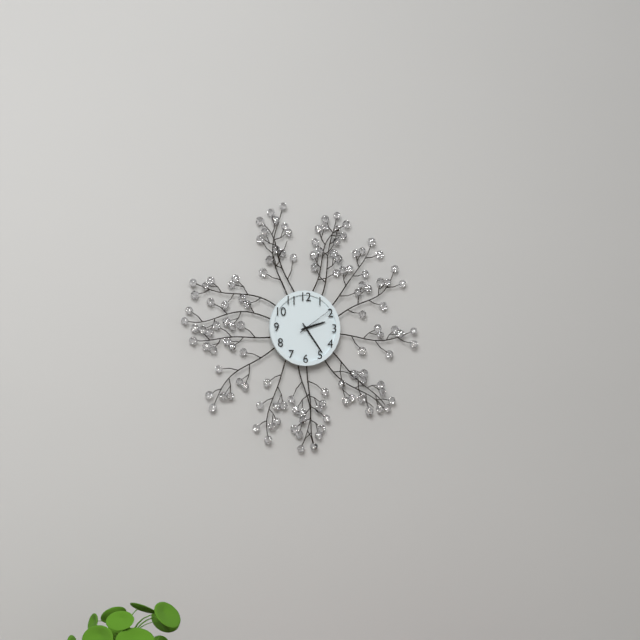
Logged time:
2:24
